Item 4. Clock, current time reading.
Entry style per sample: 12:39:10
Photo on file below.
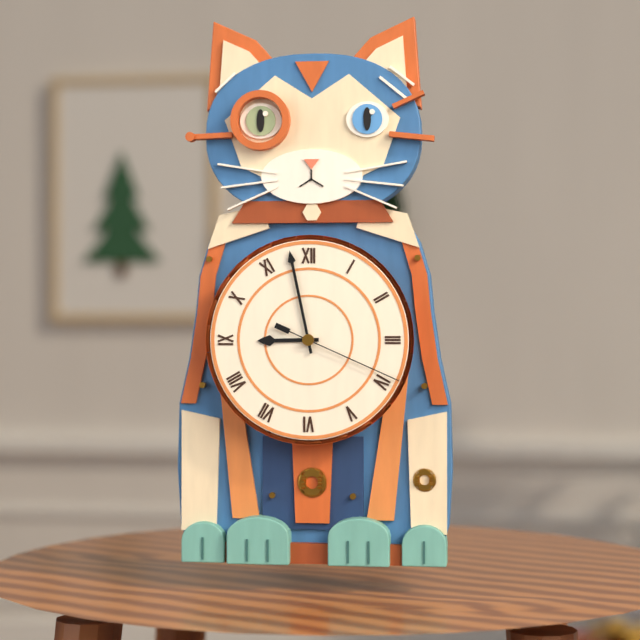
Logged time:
8:58:19
